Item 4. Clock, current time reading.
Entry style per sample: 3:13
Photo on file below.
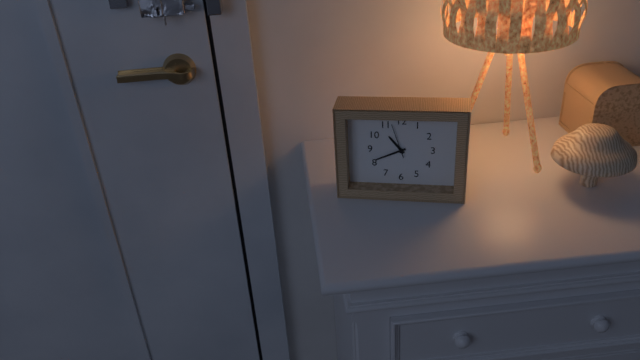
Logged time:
10:41
